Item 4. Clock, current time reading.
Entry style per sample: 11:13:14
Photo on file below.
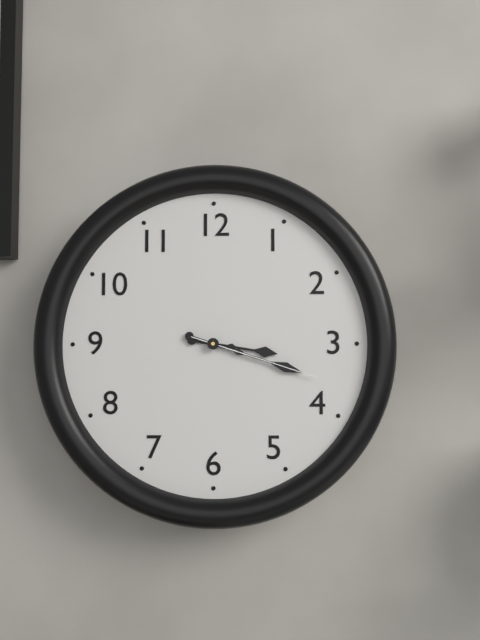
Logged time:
3:18:18
